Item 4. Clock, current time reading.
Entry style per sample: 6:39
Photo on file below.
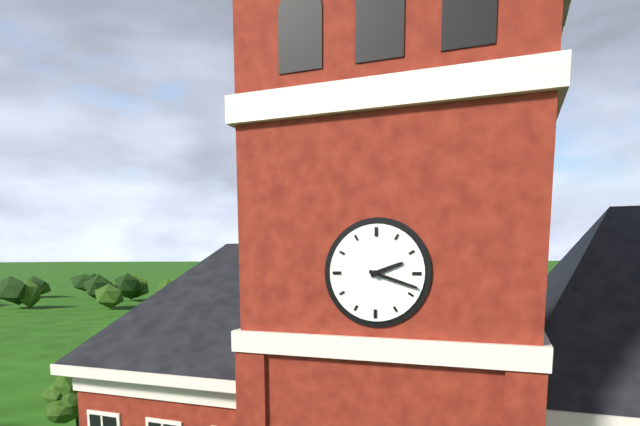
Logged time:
2:18
